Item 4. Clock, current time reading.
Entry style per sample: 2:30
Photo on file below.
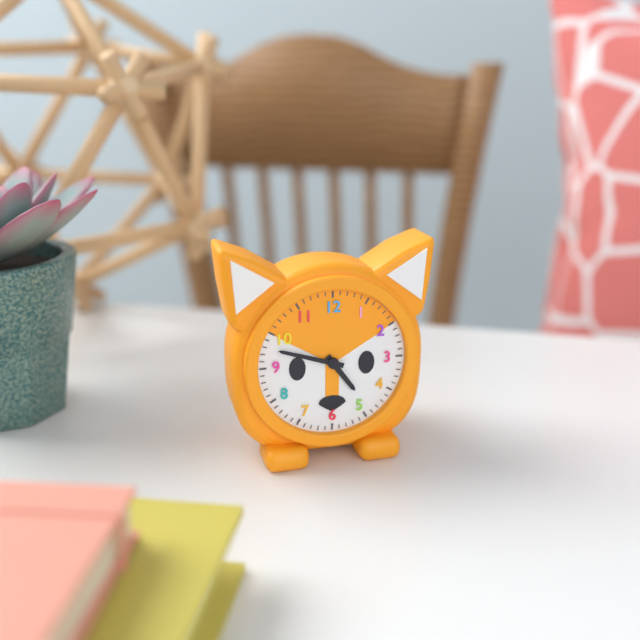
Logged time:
4:48
